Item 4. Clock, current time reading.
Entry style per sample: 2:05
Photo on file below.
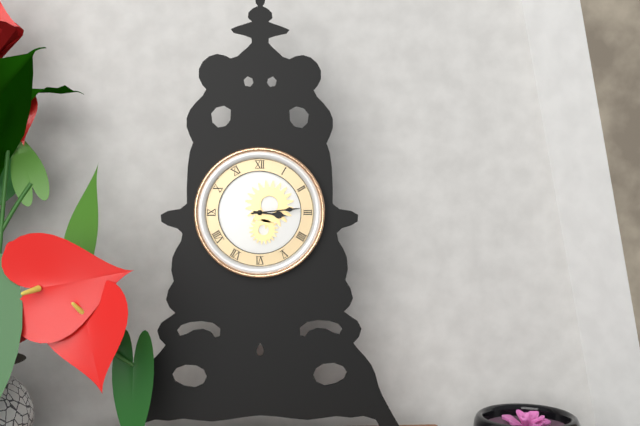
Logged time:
3:14
